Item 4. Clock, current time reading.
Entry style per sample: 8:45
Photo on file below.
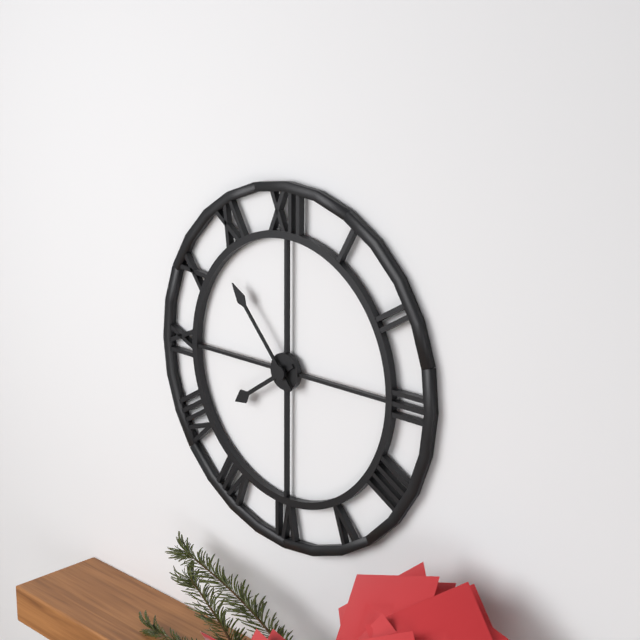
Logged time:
7:53
